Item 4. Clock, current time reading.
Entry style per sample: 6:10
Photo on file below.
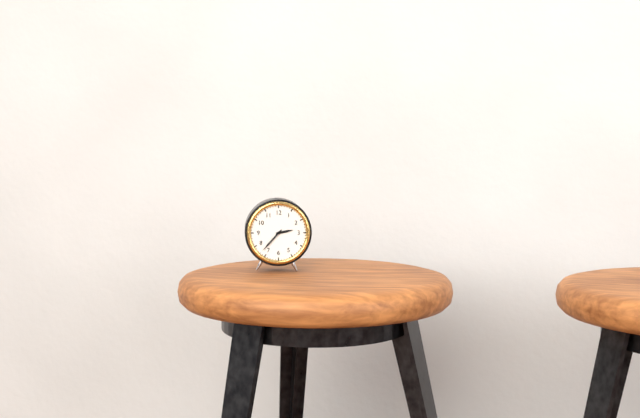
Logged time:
2:37
